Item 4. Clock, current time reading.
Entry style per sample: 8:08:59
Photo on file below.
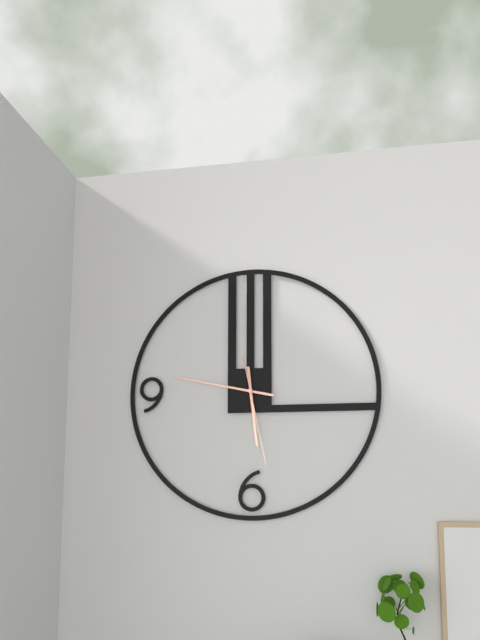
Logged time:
5:47:28
